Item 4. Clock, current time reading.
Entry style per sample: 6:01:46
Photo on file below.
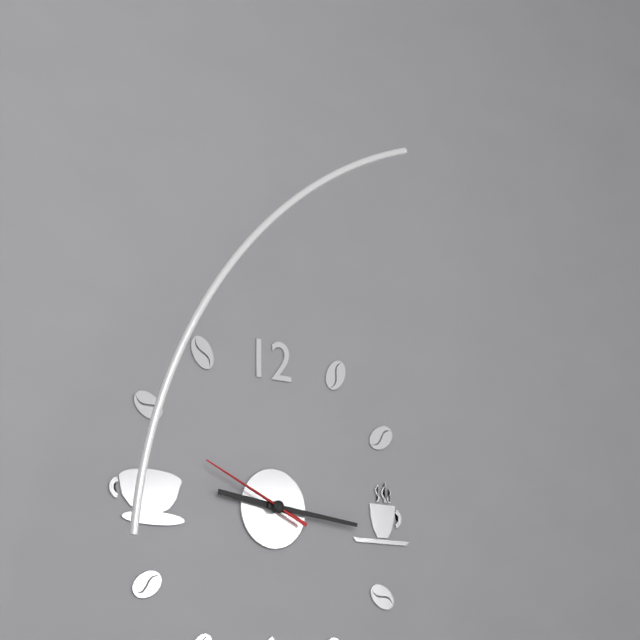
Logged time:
9:16:49
